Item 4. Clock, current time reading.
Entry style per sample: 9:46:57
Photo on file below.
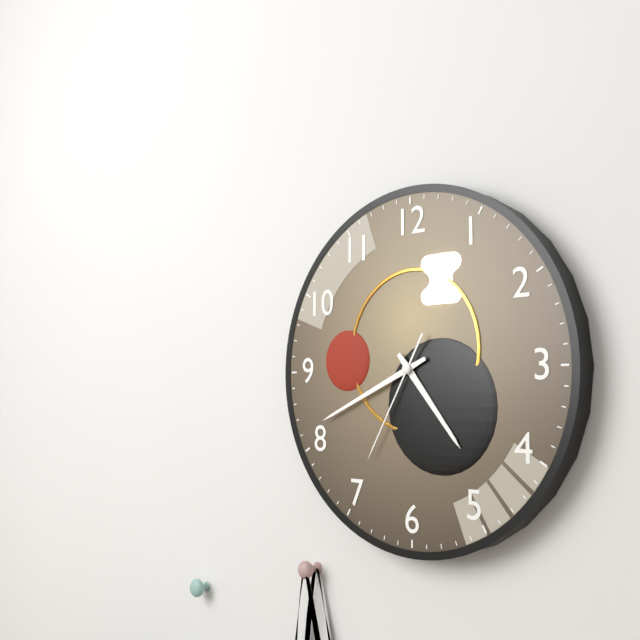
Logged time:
4:41:35
